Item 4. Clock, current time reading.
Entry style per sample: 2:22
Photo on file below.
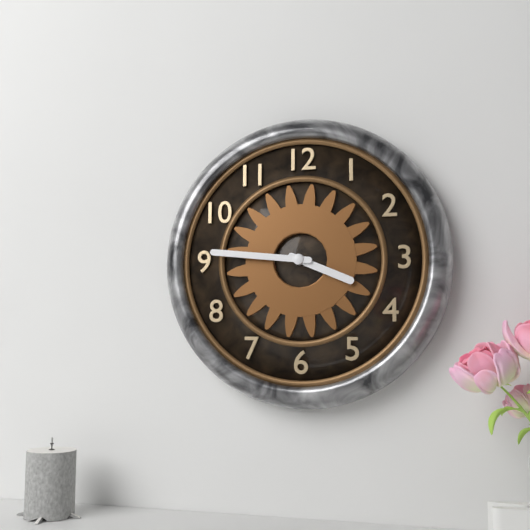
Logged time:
3:46
